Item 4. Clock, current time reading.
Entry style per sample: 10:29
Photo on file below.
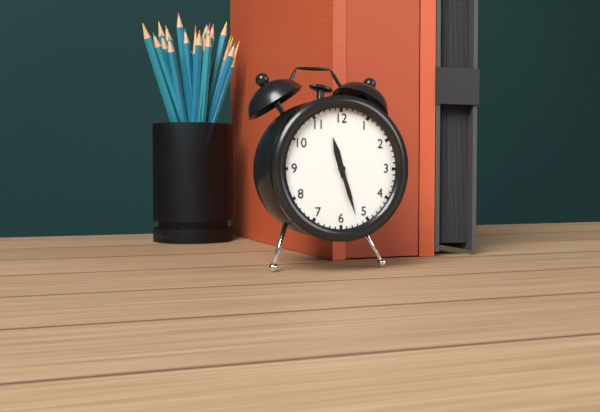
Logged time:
11:27
